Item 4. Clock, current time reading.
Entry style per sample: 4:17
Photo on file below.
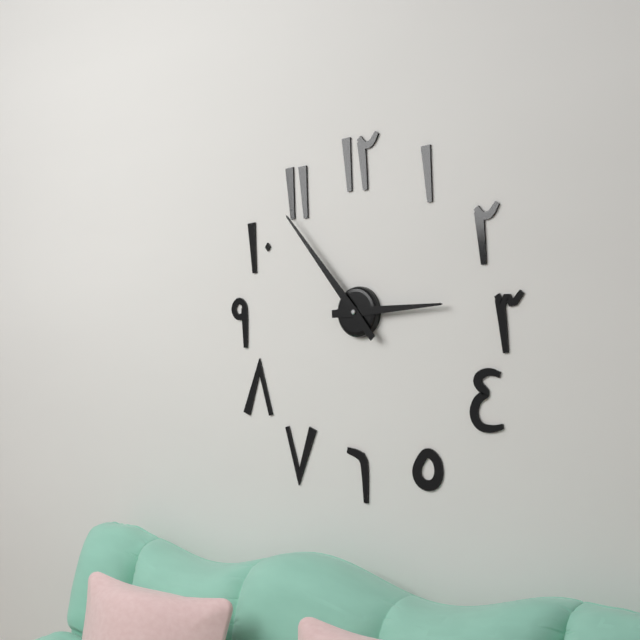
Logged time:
2:53
